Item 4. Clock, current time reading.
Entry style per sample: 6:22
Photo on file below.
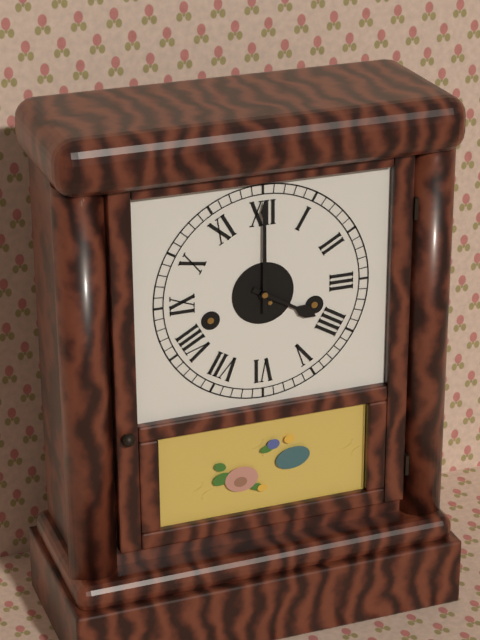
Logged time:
4:00
